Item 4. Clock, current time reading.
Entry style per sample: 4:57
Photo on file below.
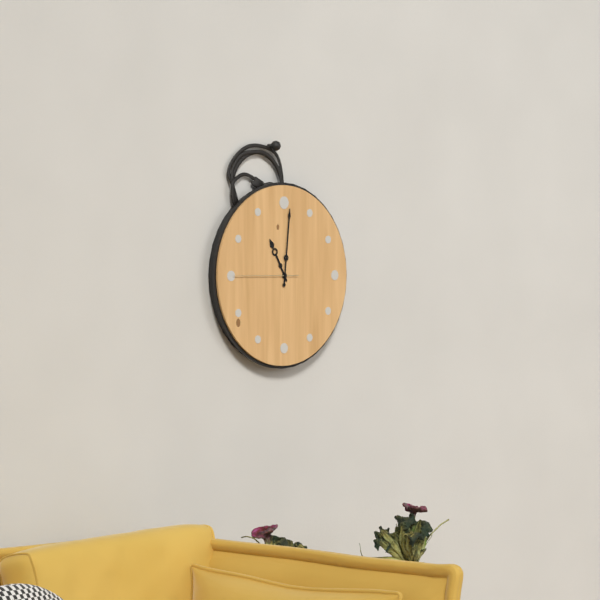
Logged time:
11:01
